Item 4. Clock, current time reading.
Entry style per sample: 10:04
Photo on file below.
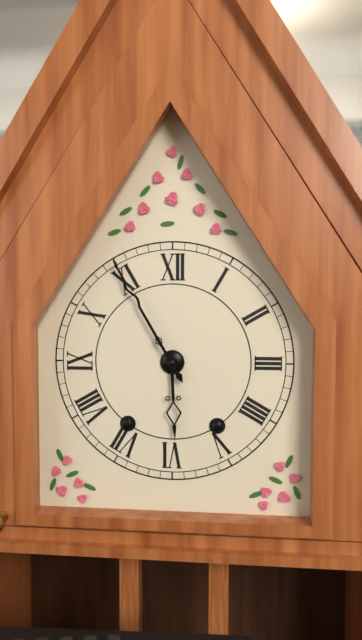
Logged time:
5:55
